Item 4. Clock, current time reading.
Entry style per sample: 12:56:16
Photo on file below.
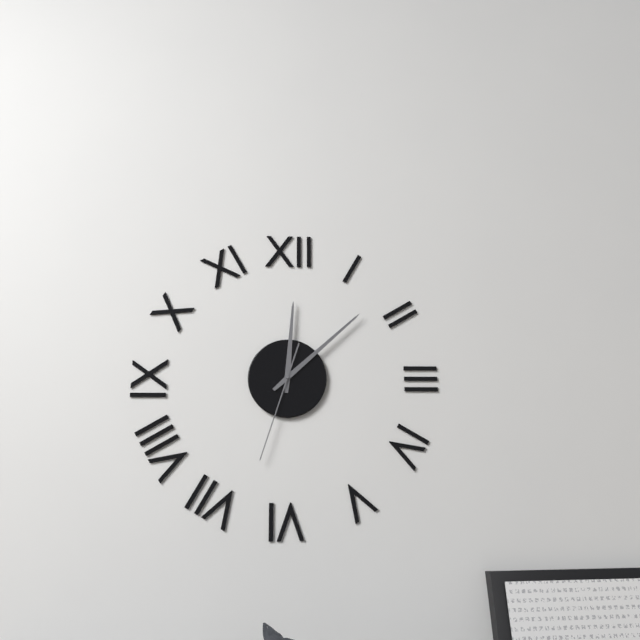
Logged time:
12:08:33
